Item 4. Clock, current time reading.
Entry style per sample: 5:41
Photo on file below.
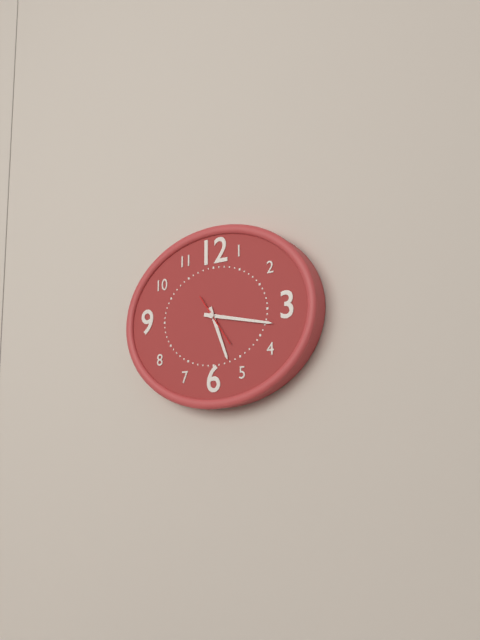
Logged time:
5:17
